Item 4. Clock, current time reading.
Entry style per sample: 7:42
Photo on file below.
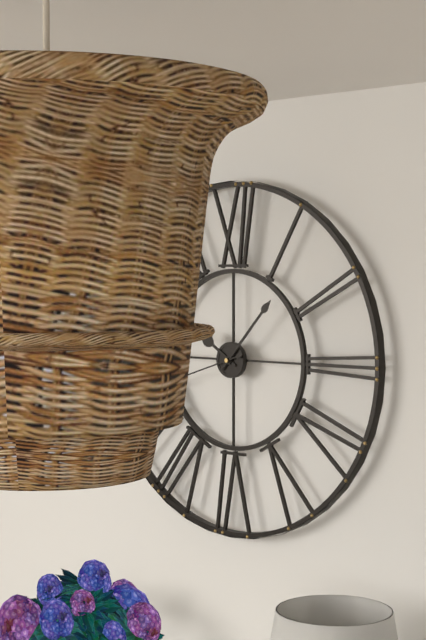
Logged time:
10:07
